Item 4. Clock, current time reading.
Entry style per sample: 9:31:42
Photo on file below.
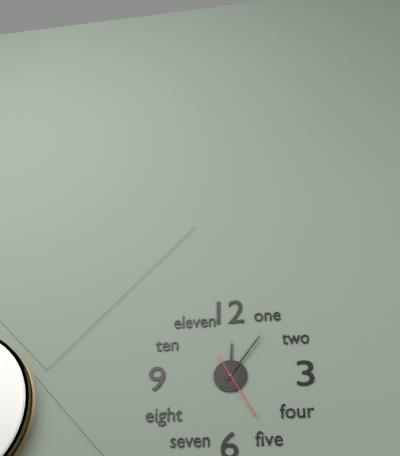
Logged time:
12:06:25
